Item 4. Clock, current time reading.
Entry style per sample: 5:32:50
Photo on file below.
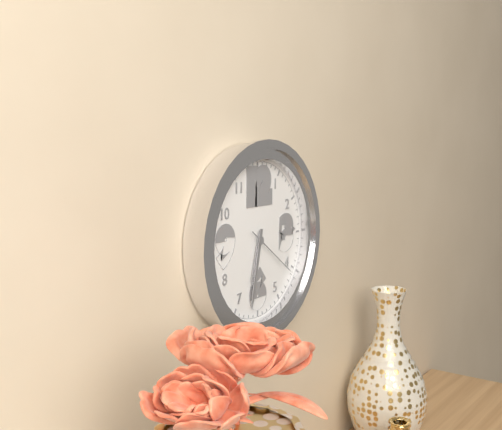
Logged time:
6:32:21
